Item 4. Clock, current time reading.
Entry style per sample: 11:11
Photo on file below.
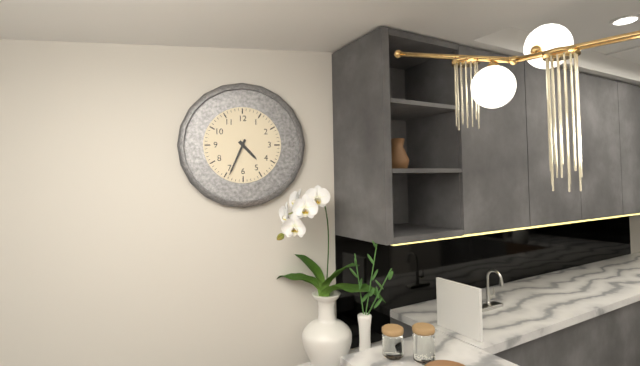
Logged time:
4:34
